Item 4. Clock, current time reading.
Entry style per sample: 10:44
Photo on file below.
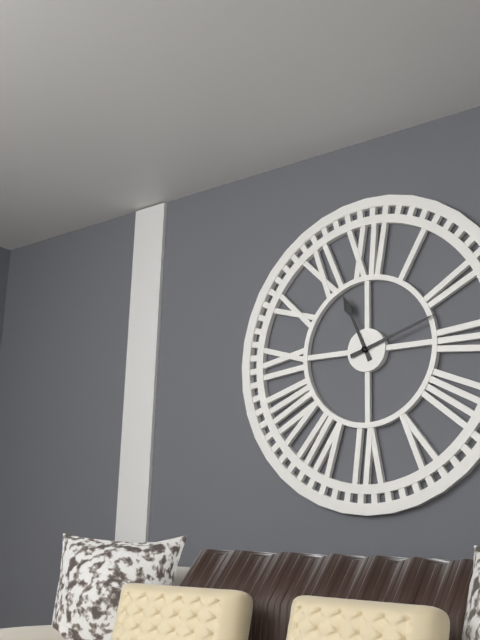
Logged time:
11:12
